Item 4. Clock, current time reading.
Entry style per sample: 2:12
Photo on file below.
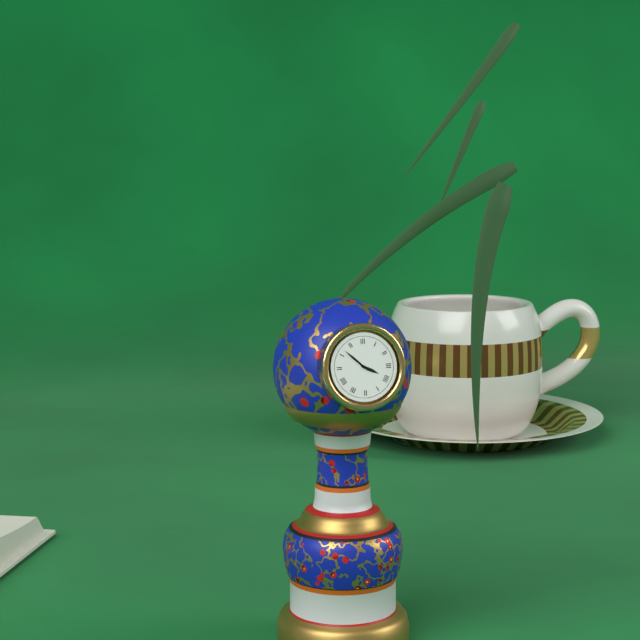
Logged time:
3:52
